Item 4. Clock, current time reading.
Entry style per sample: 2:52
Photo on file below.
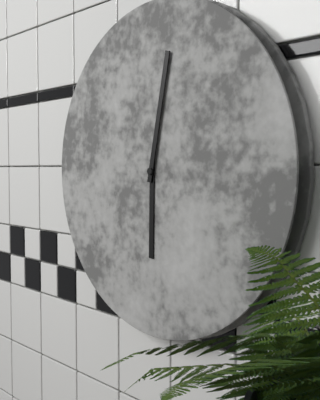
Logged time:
6:02
